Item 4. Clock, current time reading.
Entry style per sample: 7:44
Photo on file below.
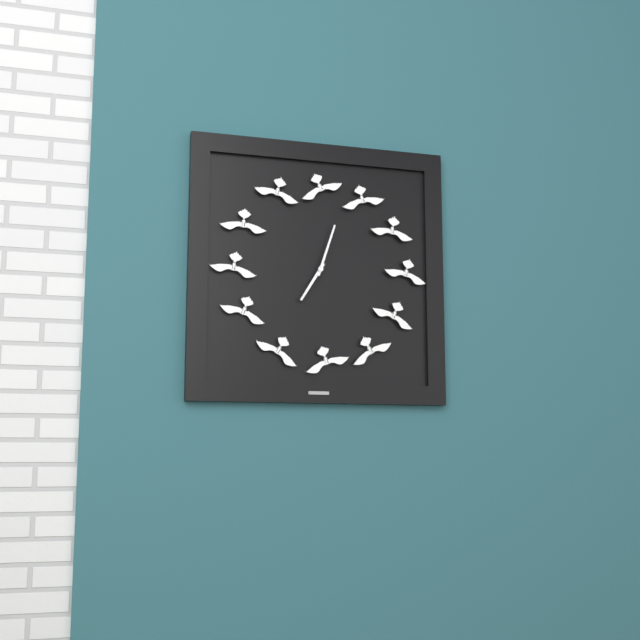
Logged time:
7:03
